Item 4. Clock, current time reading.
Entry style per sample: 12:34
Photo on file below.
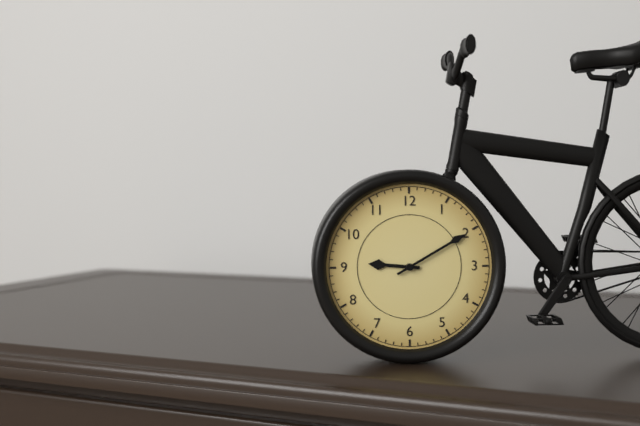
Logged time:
9:10
